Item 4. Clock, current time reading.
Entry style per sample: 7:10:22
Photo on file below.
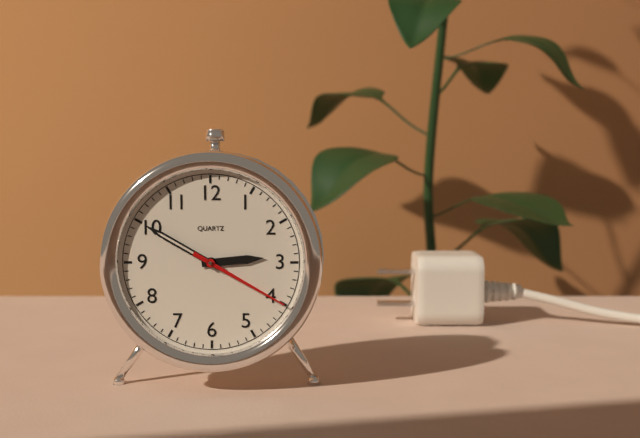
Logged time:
2:50:20
